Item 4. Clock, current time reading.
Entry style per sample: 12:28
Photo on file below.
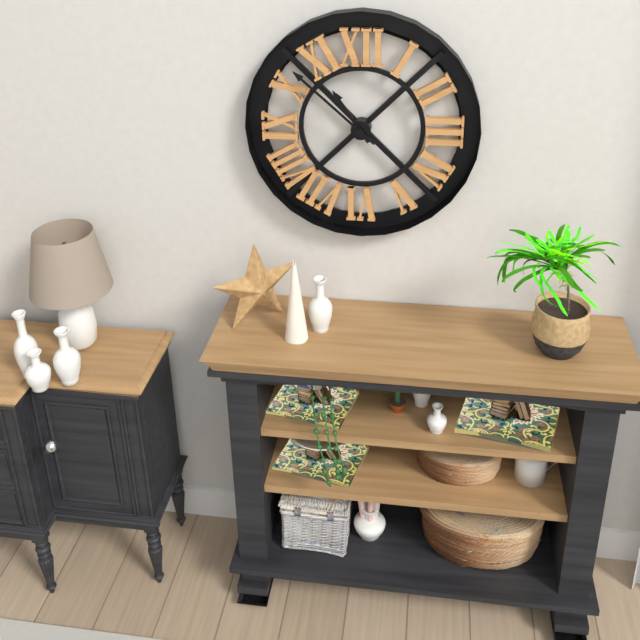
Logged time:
10:52
